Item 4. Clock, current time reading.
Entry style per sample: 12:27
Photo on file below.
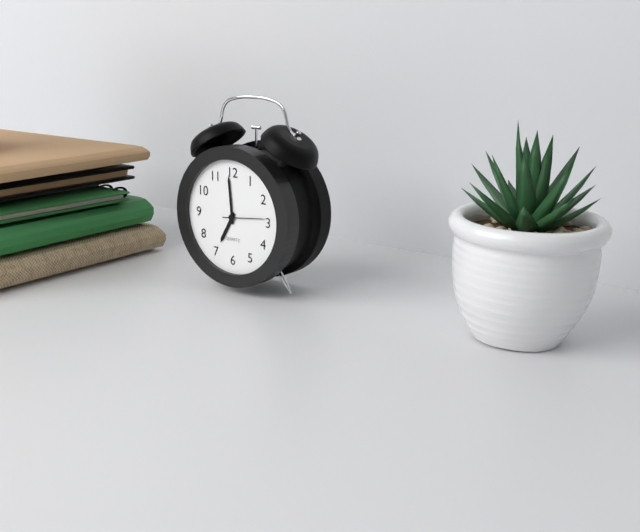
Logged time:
6:59
